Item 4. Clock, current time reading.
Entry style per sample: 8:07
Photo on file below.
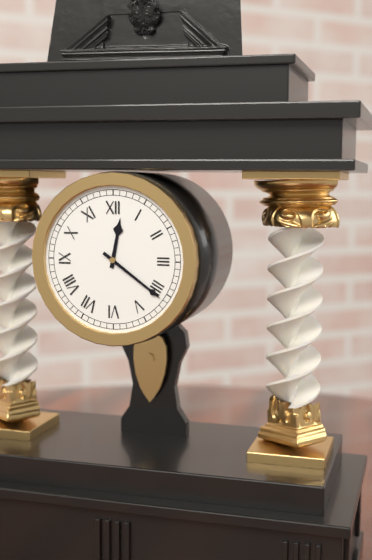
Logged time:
12:21
